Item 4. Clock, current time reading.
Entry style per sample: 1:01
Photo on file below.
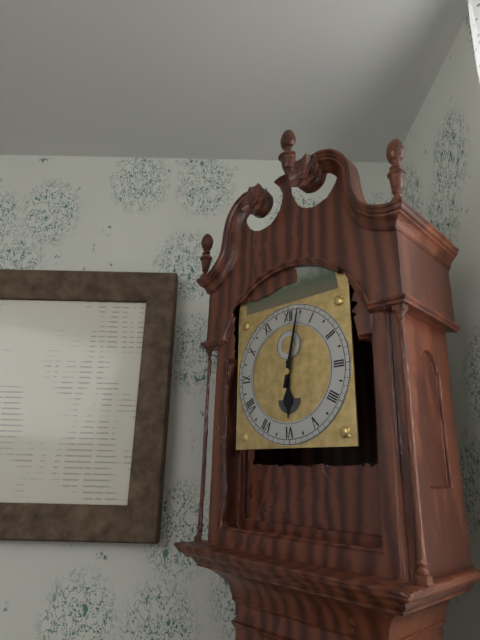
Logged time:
6:02
